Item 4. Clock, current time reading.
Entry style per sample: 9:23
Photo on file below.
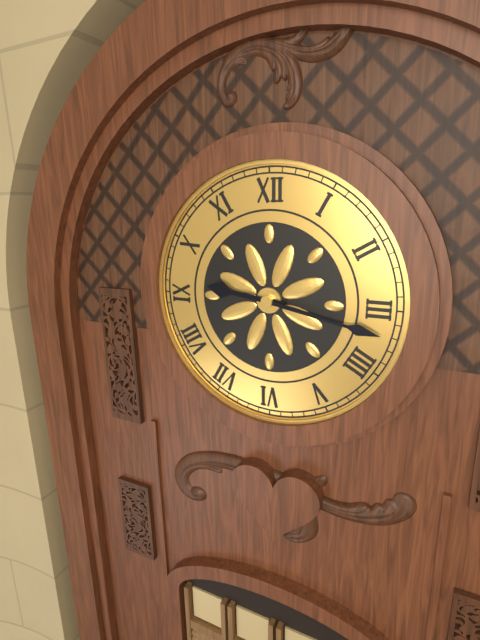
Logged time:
9:17
